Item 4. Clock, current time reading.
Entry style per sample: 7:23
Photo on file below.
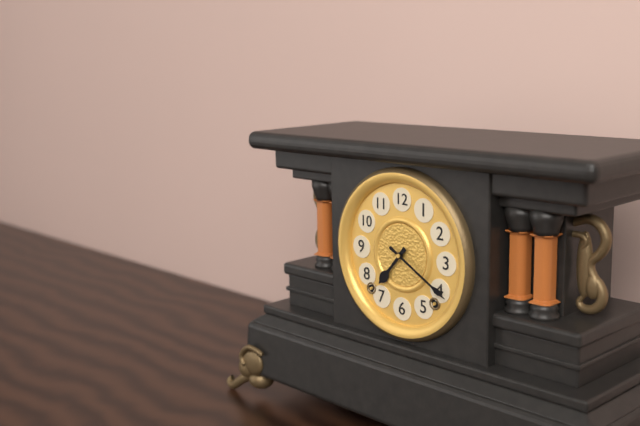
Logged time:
7:20
